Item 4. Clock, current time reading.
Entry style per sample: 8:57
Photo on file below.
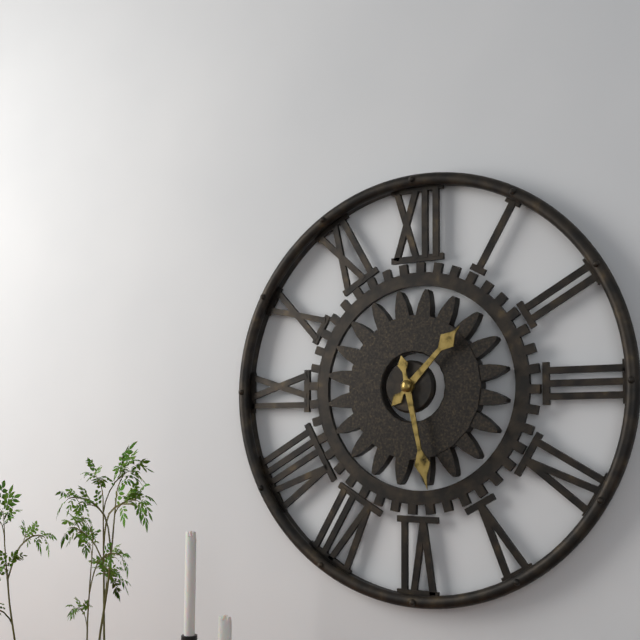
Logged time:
1:28
